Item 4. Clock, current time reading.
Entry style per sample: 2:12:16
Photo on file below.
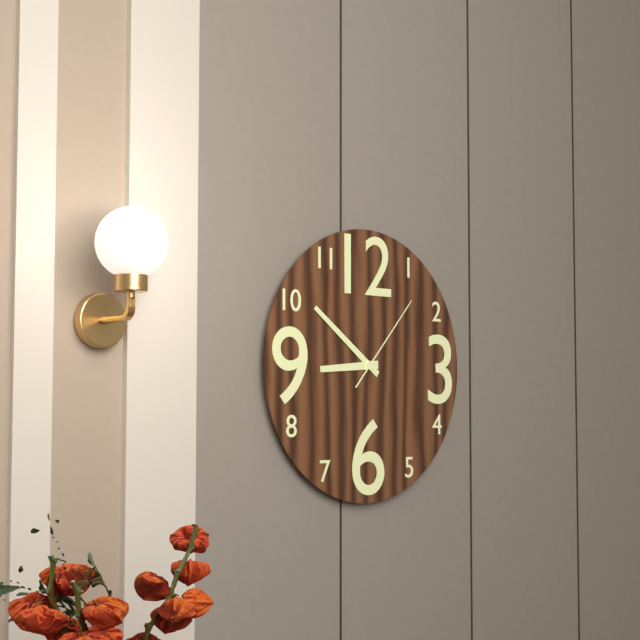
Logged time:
8:51:07
